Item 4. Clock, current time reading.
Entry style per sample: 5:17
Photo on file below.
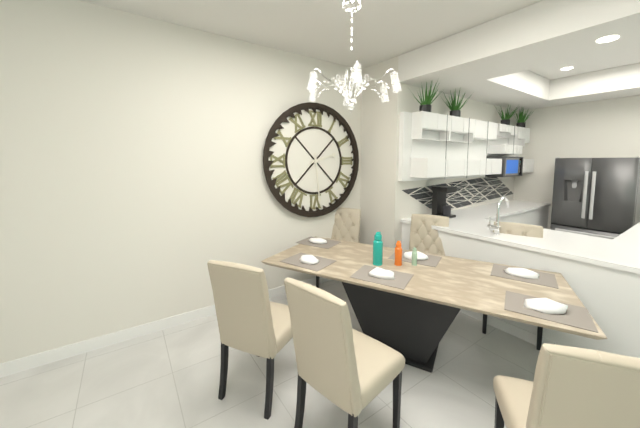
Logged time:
2:29
